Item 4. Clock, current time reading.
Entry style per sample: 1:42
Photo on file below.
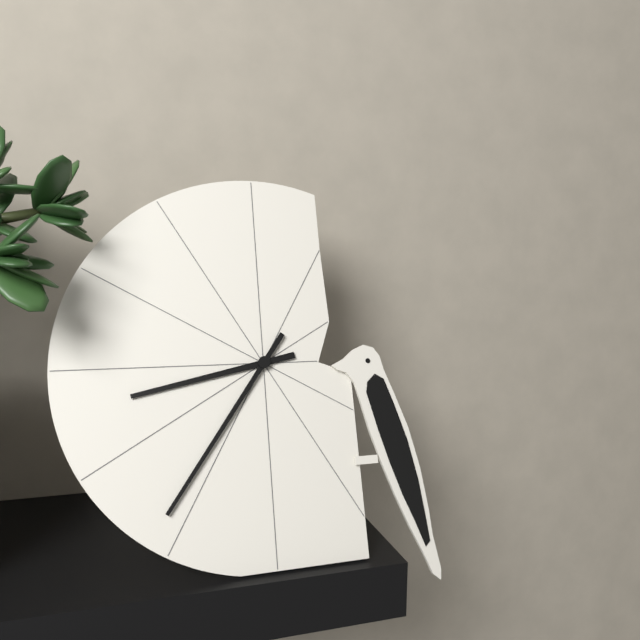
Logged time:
8:36
